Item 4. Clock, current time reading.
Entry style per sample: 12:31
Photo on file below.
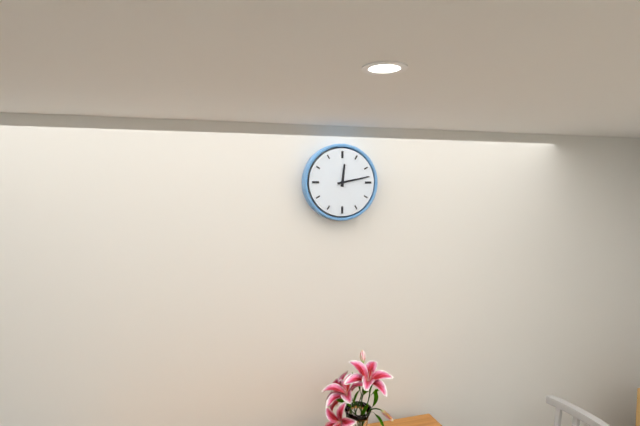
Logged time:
12:13
